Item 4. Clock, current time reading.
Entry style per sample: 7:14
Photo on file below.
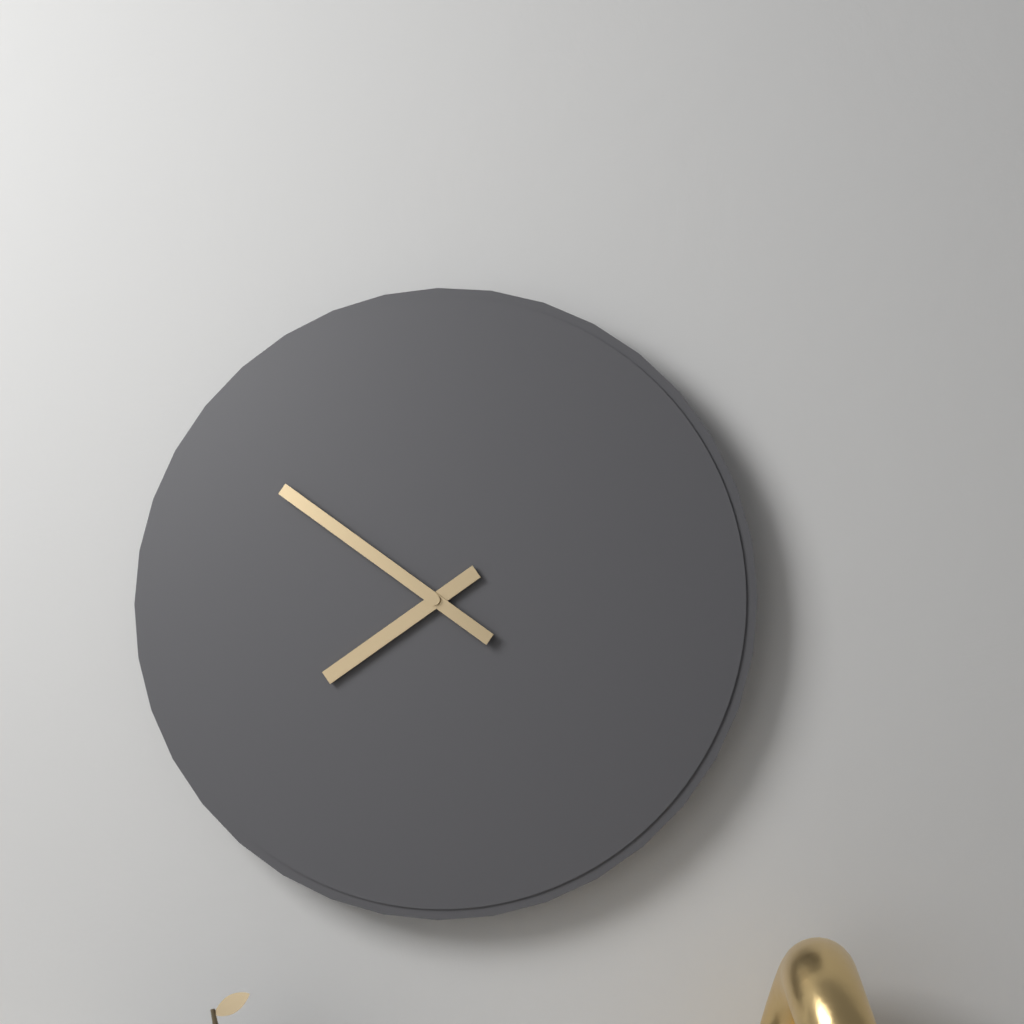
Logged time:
7:51
